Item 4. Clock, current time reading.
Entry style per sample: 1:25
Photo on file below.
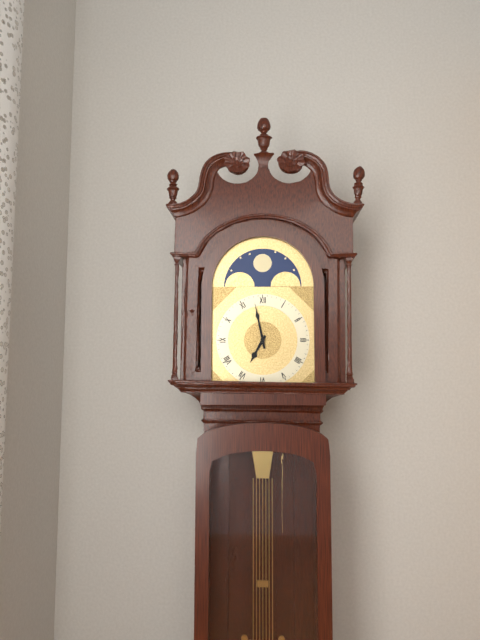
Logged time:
6:58
